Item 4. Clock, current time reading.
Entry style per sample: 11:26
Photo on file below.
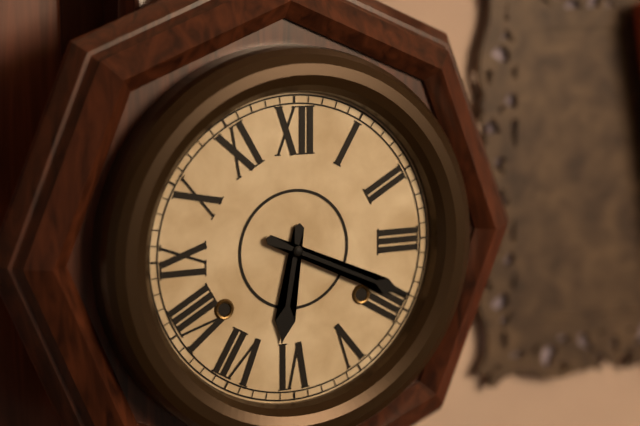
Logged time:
6:19
